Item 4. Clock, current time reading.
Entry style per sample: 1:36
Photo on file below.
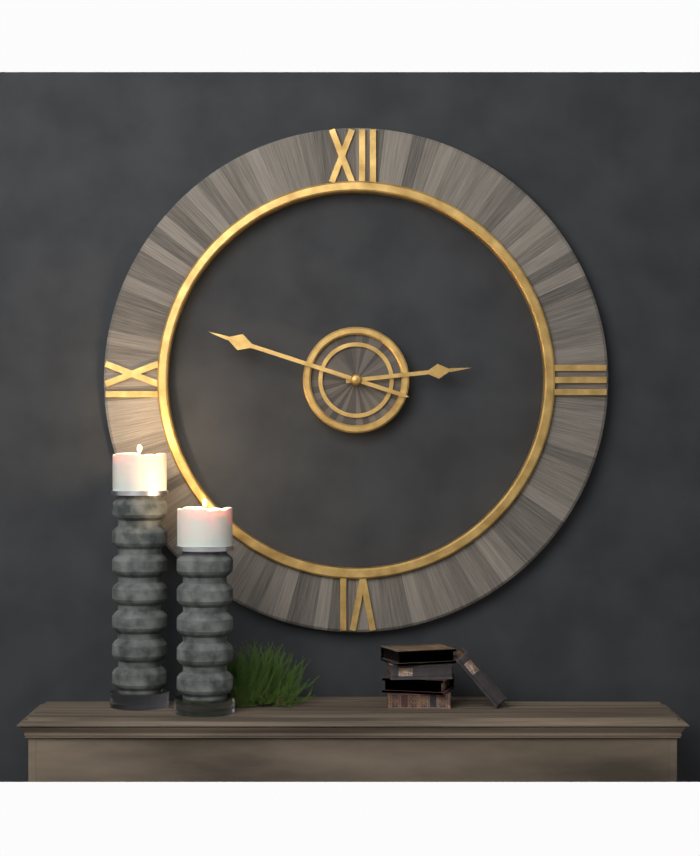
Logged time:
2:48
